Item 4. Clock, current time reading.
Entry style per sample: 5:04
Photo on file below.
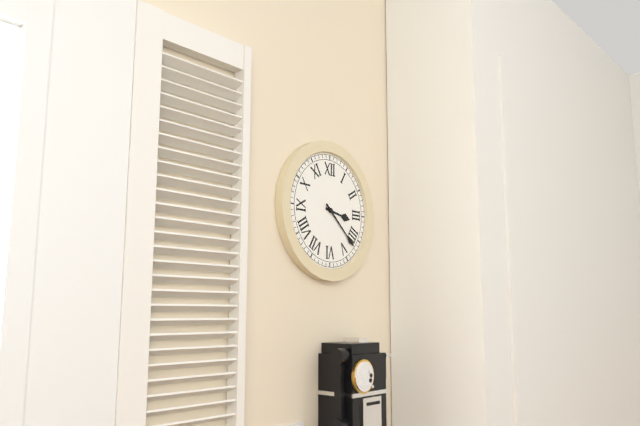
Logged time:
3:22
